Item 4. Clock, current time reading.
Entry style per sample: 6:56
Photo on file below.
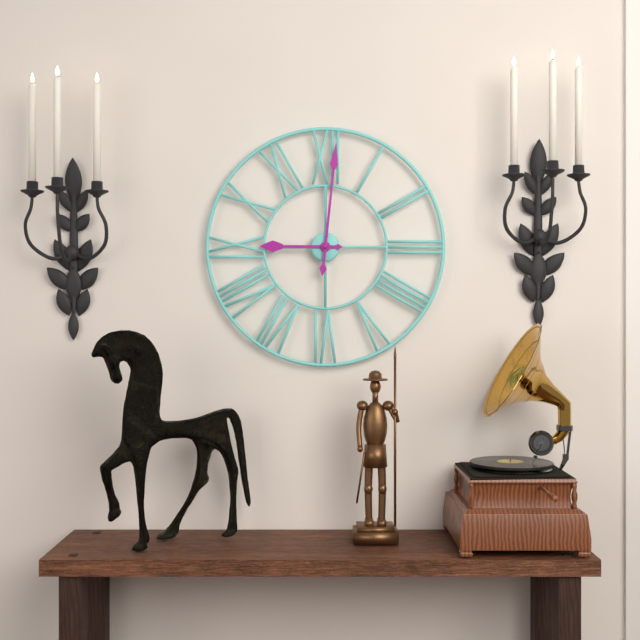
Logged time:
9:01
